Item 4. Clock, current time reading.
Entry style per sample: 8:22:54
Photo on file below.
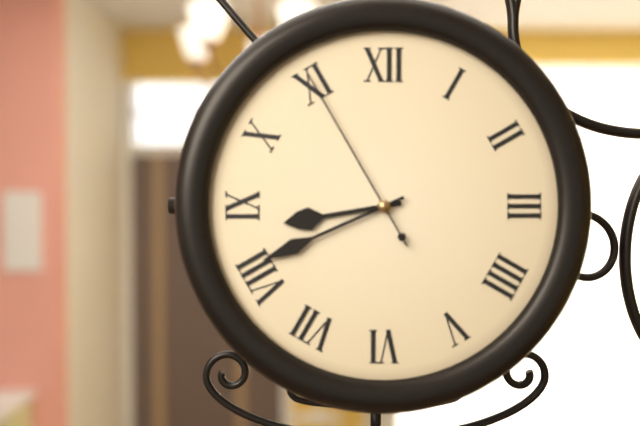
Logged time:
8:41:55
